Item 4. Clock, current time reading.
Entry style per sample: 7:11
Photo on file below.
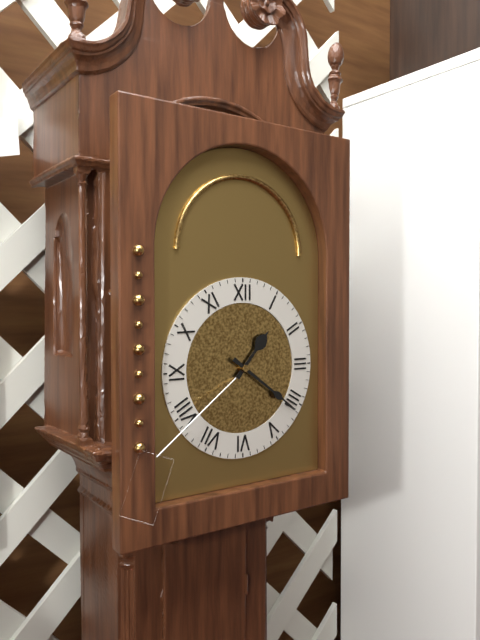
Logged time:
1:21
